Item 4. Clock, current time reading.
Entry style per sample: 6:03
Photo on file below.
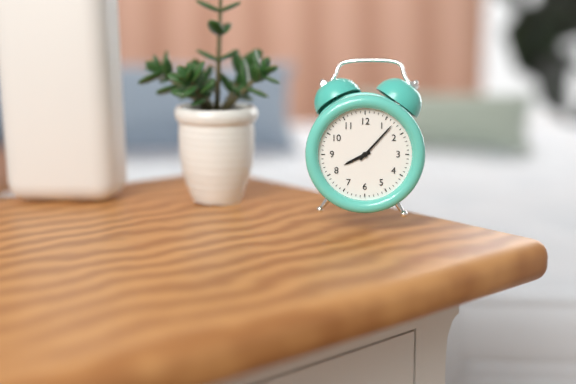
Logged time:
8:07
